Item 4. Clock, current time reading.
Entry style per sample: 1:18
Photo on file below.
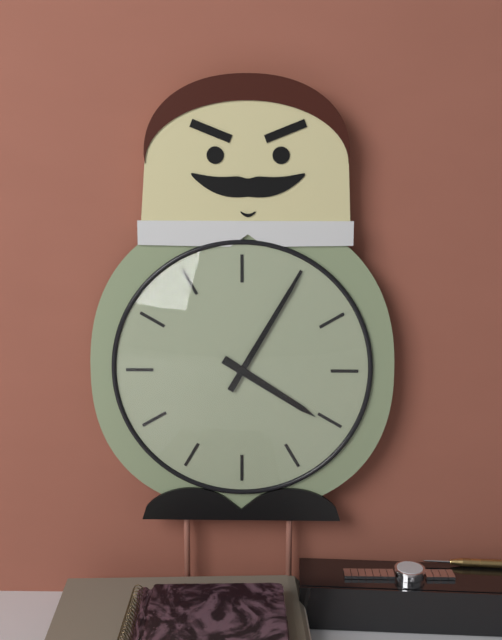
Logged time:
4:05
